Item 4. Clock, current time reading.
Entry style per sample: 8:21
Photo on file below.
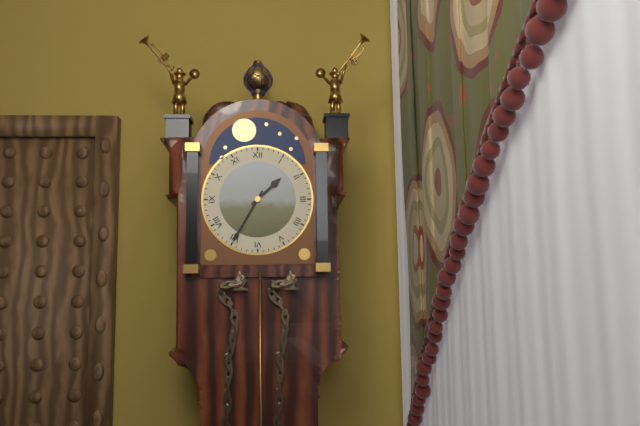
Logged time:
1:35
